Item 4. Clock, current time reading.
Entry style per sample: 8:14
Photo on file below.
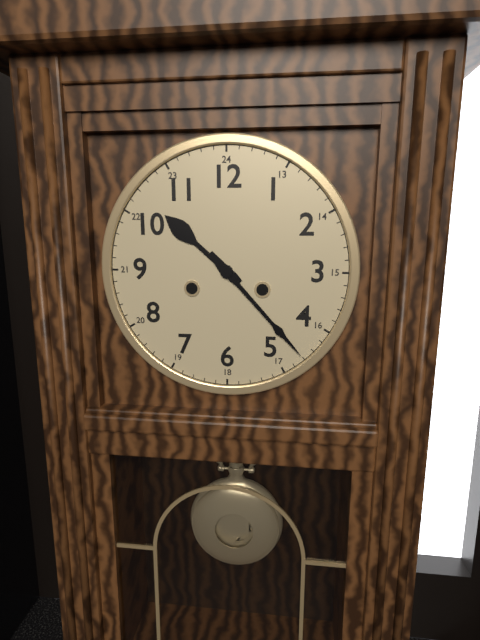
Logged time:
10:23
